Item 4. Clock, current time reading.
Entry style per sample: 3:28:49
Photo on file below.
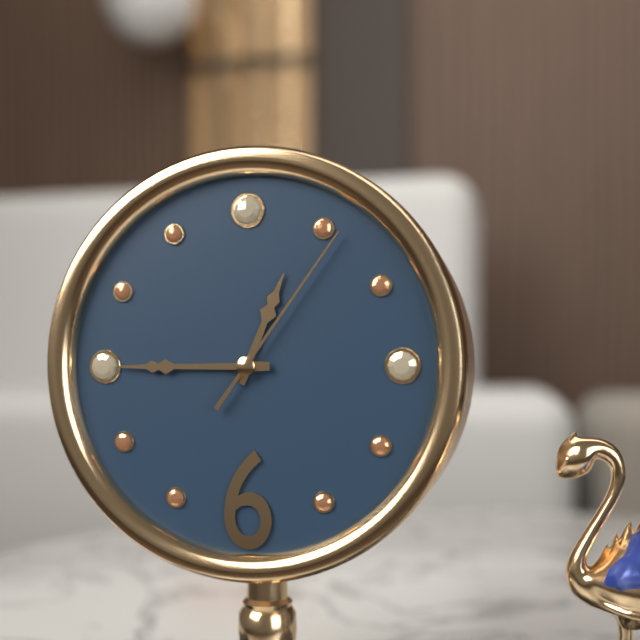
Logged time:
12:45:06
